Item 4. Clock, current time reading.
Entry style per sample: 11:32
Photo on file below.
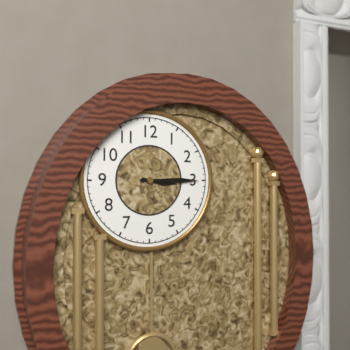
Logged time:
3:15
